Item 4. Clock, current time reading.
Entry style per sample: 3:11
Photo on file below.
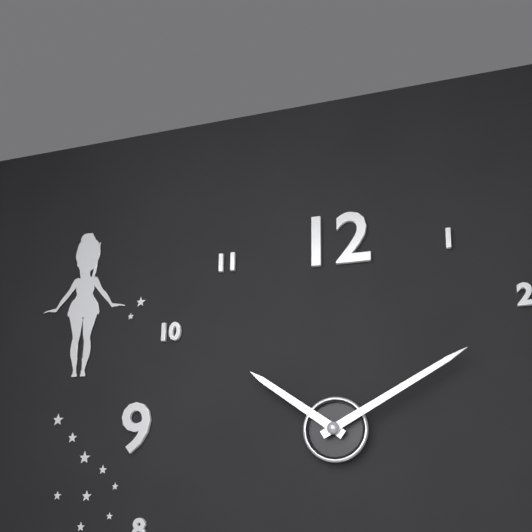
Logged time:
10:10
